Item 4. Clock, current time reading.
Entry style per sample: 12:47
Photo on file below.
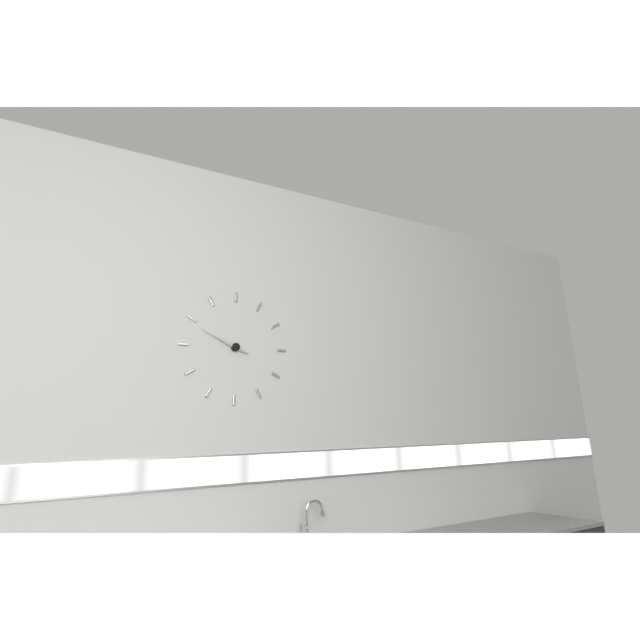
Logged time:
9:49
